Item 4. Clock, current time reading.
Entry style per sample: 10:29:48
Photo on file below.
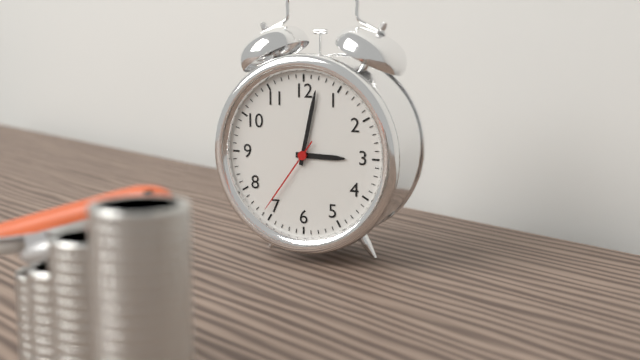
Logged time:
3:02:36
